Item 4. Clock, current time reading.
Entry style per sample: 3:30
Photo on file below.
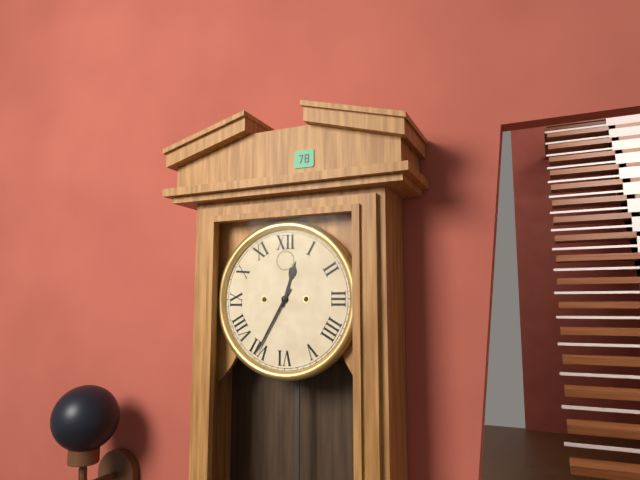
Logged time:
12:35
